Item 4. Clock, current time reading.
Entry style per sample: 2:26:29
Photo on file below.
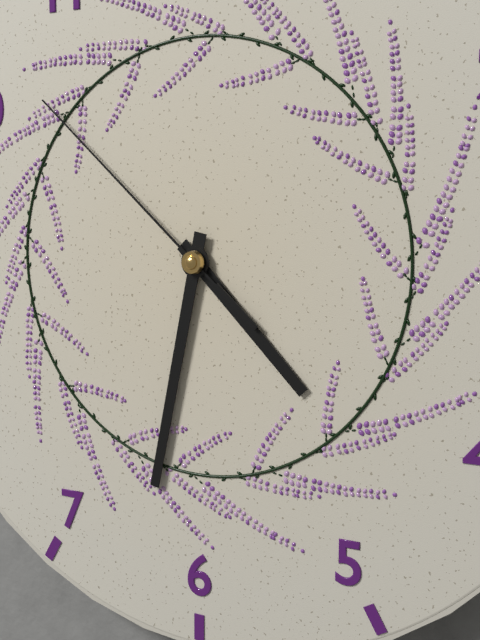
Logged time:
4:32:52
